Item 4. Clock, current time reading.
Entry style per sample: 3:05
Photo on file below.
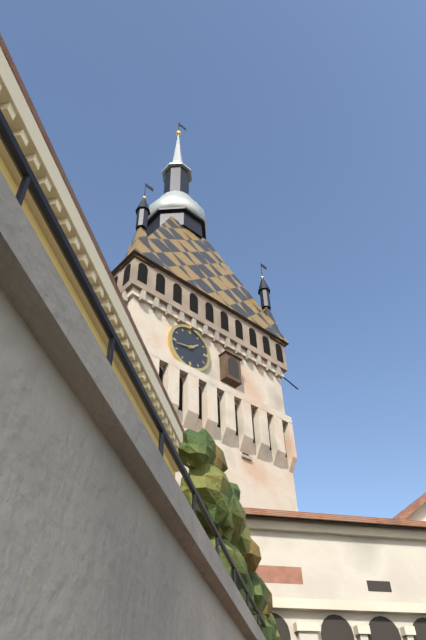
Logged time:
1:43
